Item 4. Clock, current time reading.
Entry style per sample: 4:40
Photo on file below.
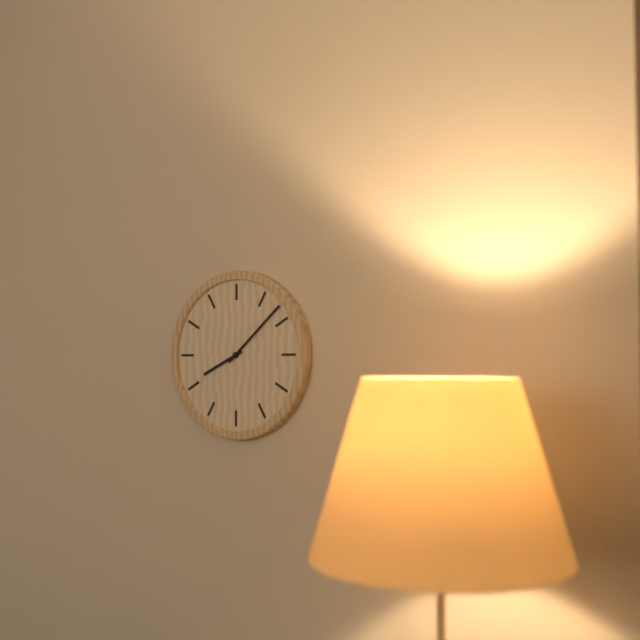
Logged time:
8:08
